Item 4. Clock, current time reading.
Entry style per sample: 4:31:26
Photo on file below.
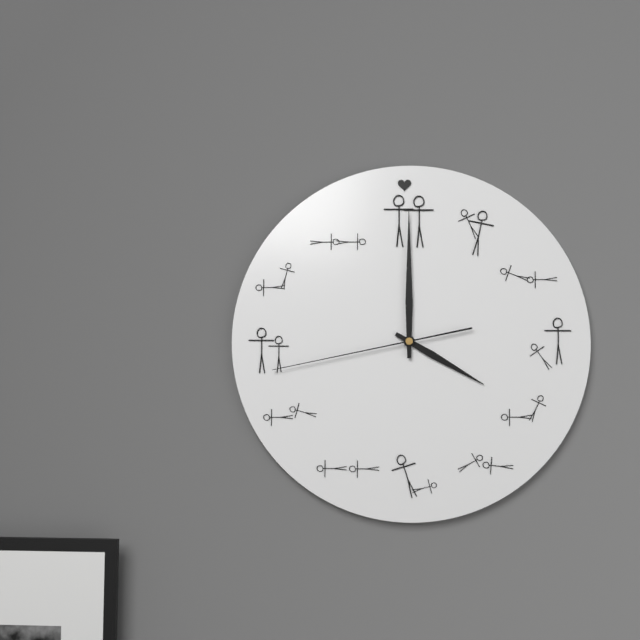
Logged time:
4:00:43
